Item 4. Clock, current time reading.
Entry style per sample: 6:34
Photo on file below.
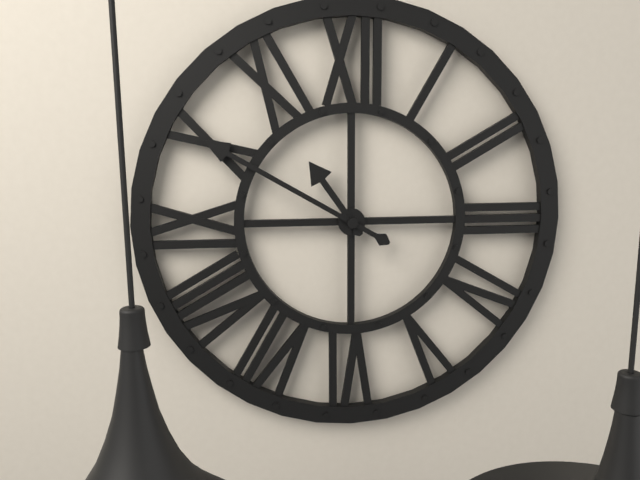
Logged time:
10:50
